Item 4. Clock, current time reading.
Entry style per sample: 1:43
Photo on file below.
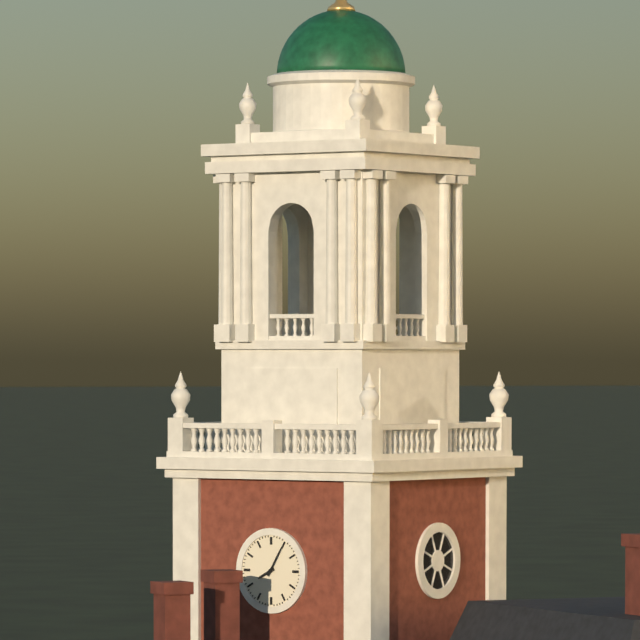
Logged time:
8:05
